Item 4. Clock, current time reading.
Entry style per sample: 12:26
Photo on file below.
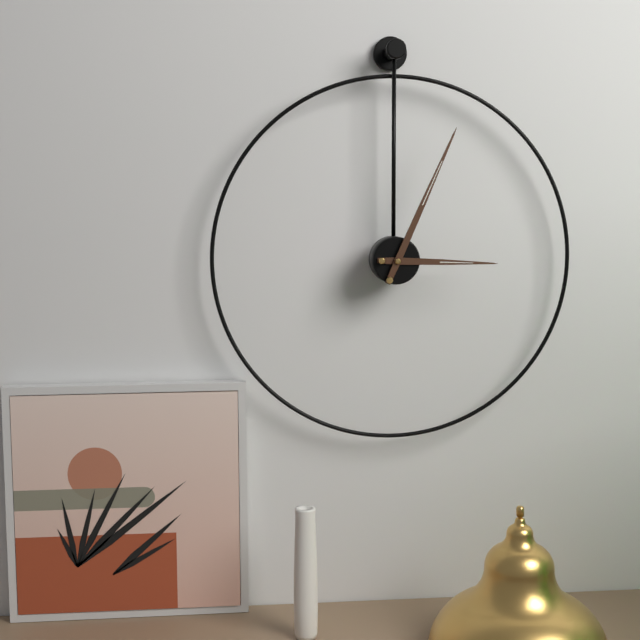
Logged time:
3:04
